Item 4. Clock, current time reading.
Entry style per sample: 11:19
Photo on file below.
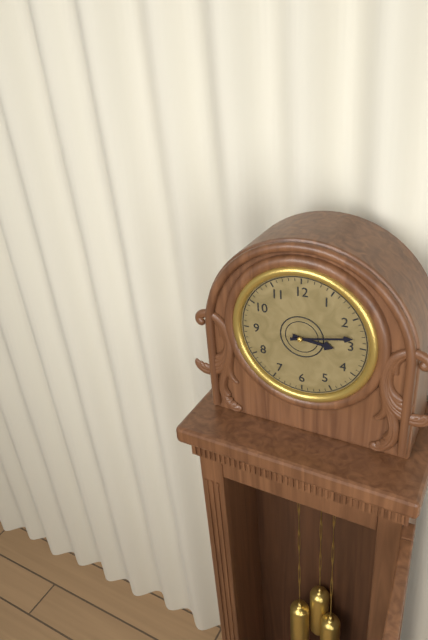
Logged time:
3:13
